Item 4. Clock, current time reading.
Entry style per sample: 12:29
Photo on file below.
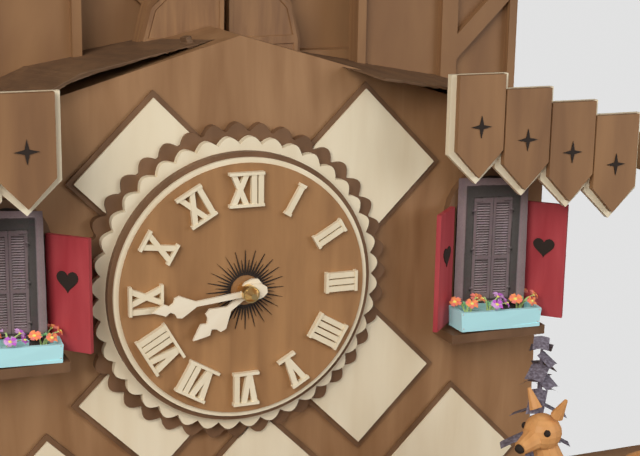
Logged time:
7:44
